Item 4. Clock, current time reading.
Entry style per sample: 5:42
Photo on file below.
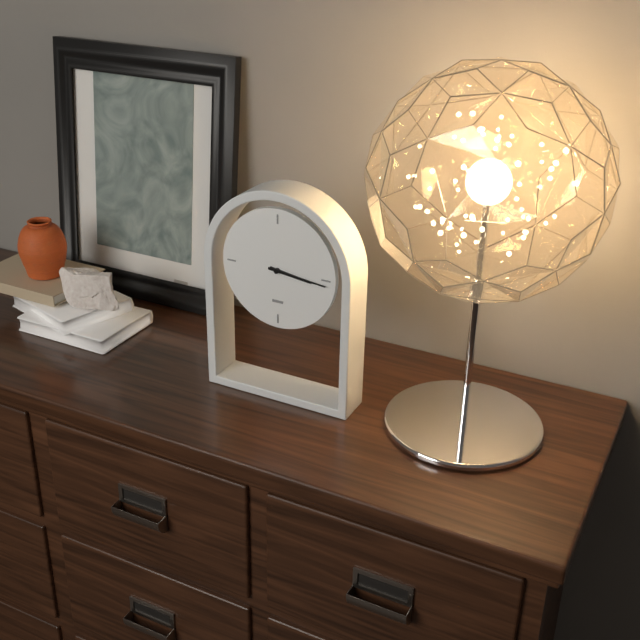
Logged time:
3:16
